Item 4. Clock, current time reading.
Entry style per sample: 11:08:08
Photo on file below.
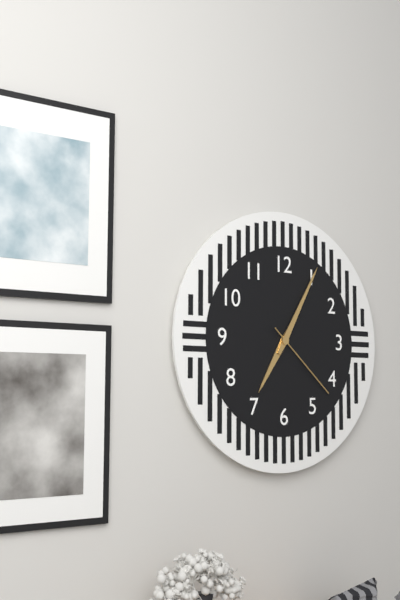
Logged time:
7:05:22
